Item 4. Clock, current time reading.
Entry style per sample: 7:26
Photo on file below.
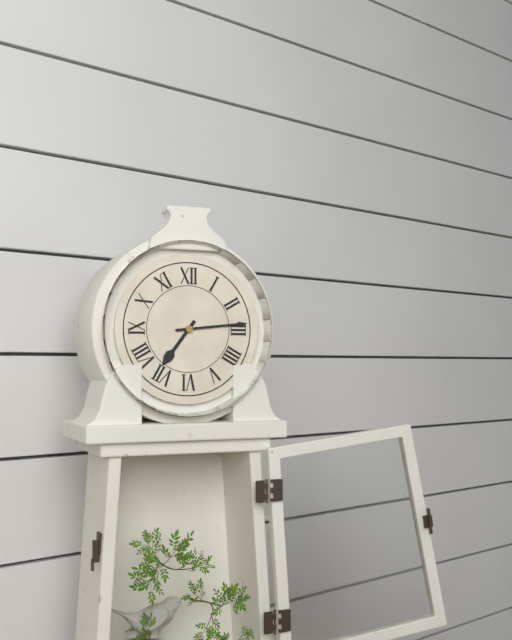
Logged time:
7:14
